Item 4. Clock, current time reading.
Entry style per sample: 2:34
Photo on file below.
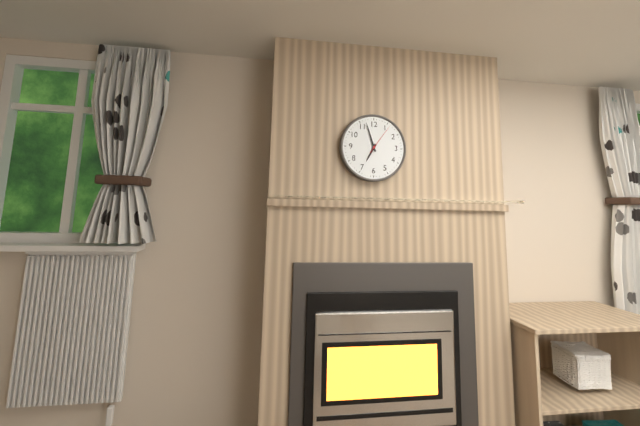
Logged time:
6:57
